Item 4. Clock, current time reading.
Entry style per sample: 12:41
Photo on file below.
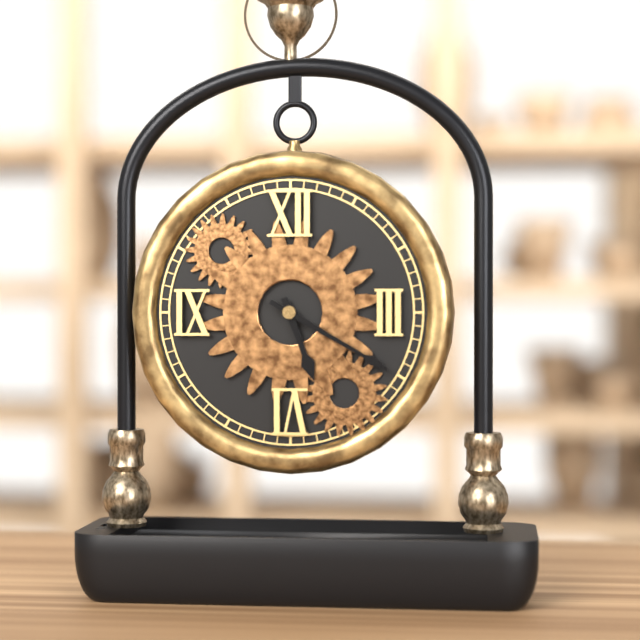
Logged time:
5:20
